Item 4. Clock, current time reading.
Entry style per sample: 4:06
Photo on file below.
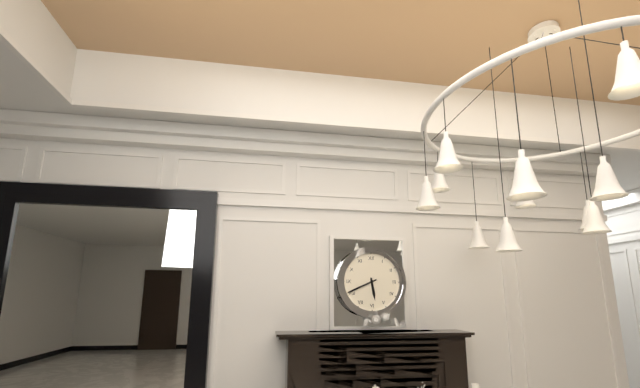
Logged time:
5:41
